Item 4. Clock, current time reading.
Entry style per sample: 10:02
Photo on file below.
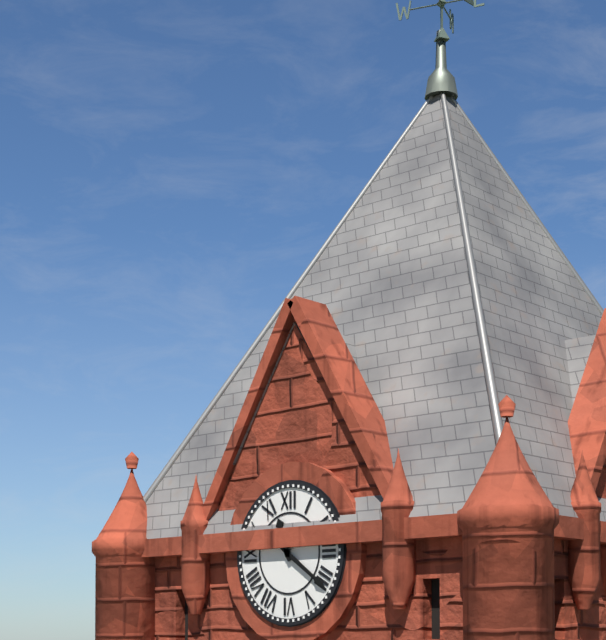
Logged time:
11:21
